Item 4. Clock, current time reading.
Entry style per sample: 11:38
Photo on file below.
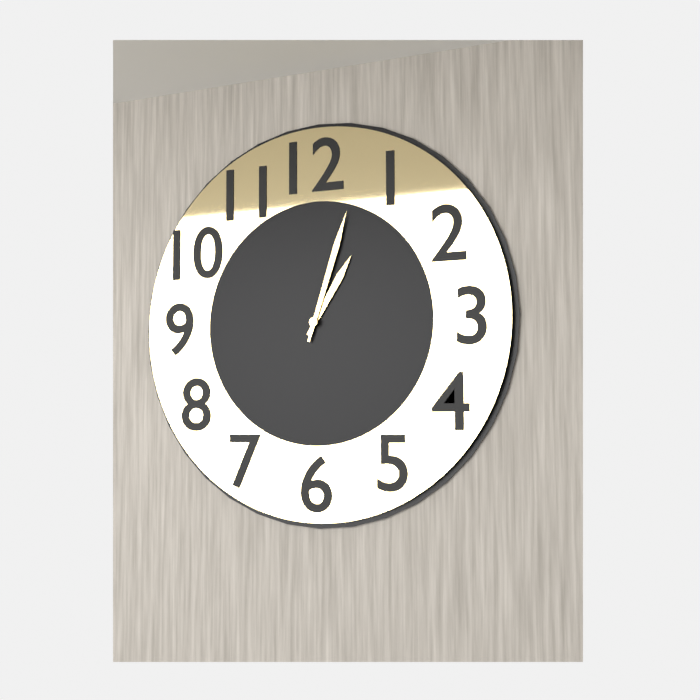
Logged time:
1:03
